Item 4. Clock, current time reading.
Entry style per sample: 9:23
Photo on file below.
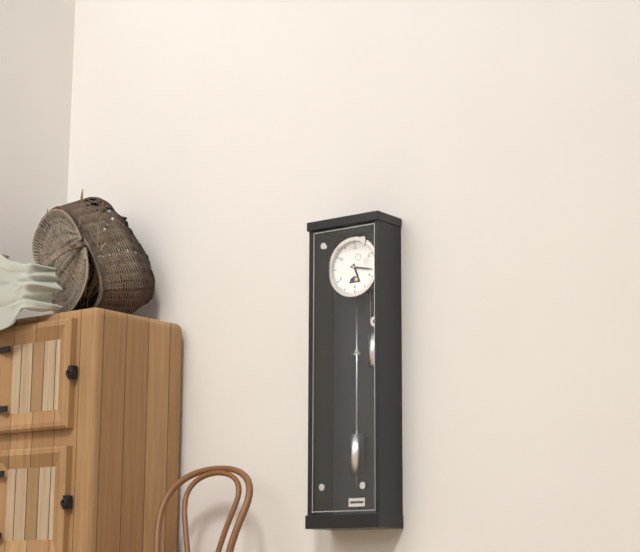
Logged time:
5:17
